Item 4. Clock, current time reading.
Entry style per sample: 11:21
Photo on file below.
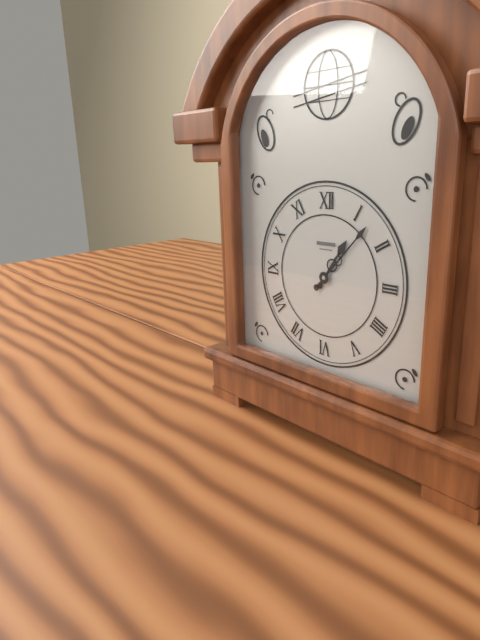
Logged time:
1:07
